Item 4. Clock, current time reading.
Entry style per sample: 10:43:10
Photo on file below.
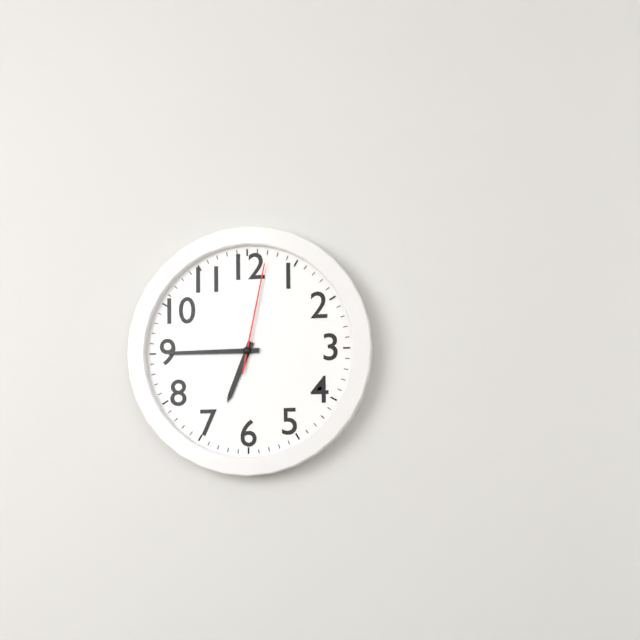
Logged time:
6:45:02
